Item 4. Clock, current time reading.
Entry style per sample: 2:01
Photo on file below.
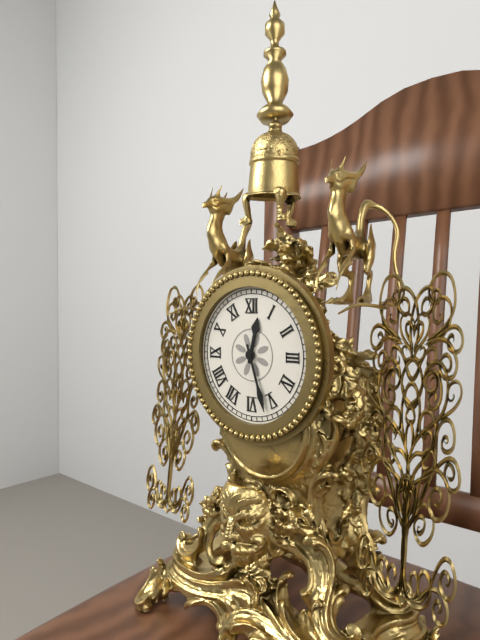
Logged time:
12:27
